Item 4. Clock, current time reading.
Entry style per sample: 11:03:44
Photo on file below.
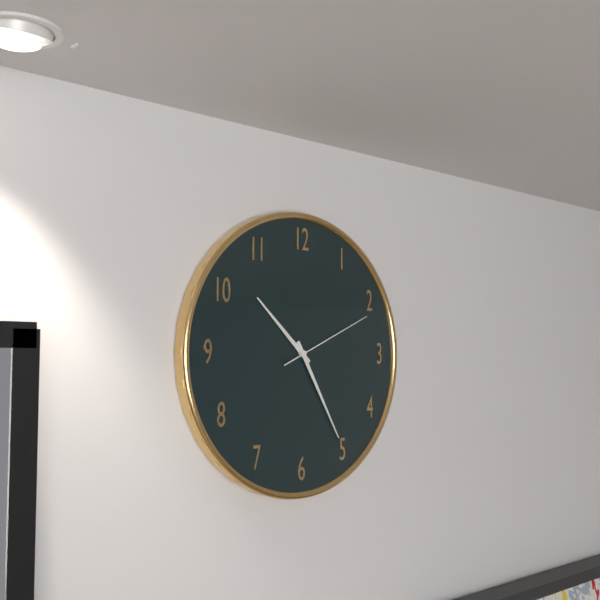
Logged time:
10:25:11
